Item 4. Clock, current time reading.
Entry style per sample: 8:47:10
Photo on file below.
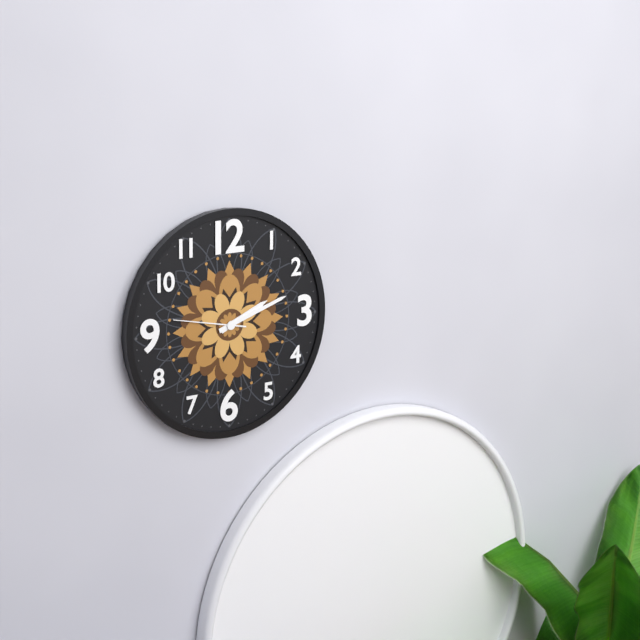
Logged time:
2:12:47
